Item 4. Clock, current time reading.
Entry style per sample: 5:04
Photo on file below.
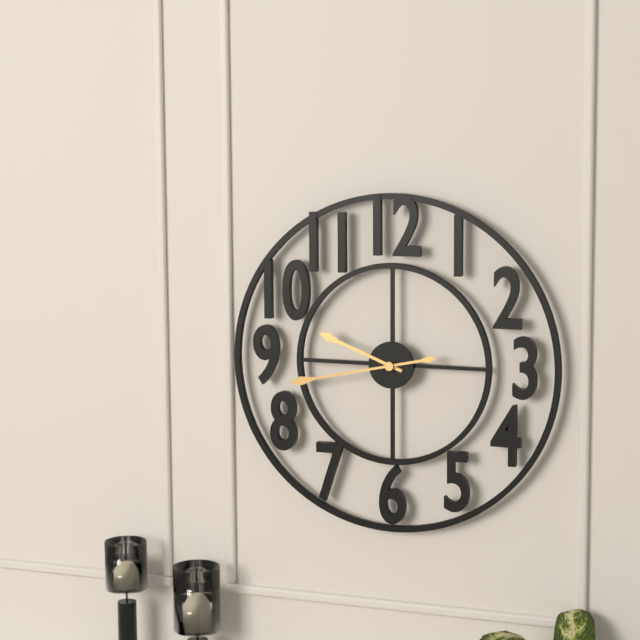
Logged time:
9:43
